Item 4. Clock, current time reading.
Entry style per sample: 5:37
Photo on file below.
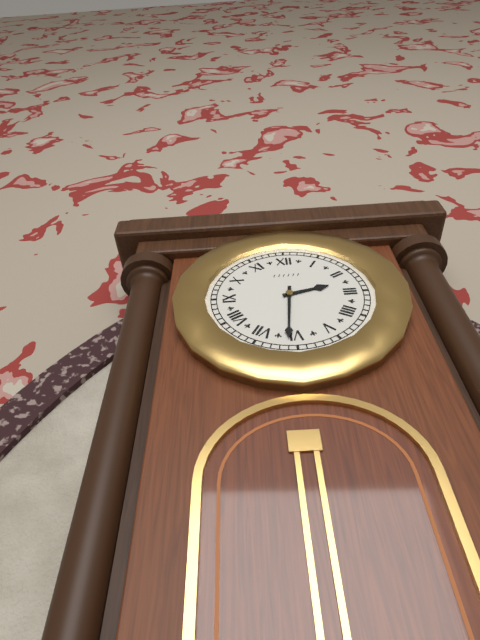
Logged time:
2:31
